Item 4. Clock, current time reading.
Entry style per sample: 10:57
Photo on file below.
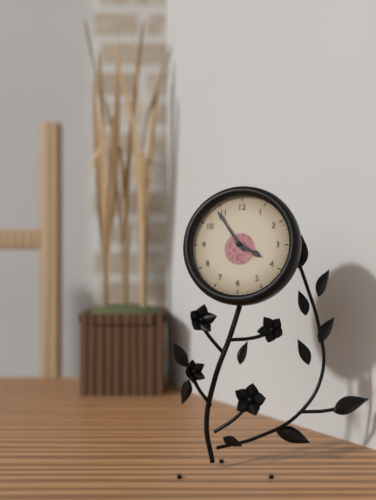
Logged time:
3:54
